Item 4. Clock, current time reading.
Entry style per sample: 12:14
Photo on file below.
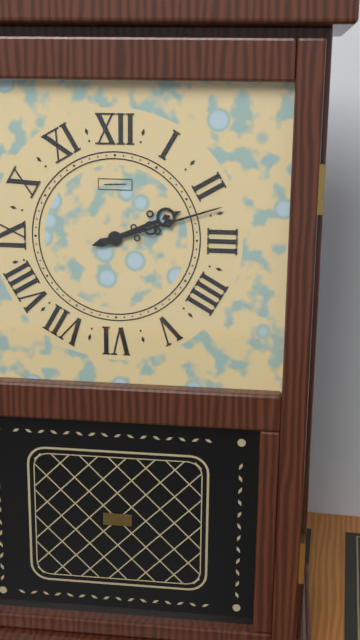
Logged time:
2:12
